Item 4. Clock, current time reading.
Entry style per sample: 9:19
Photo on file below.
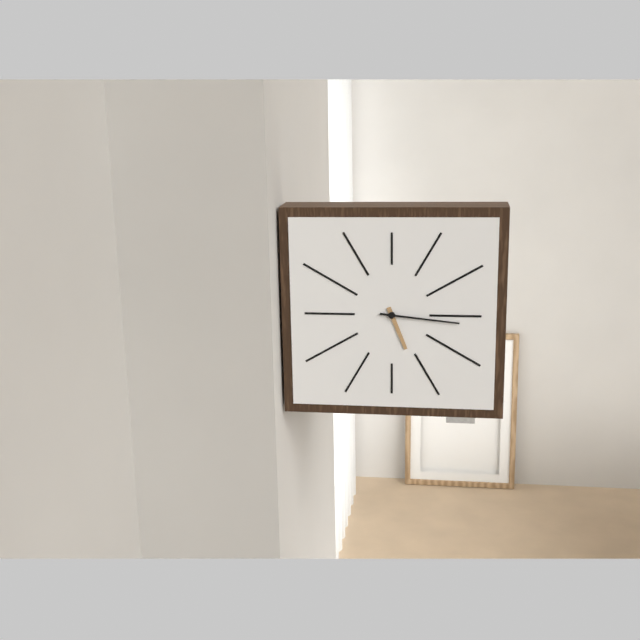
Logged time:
5:16
